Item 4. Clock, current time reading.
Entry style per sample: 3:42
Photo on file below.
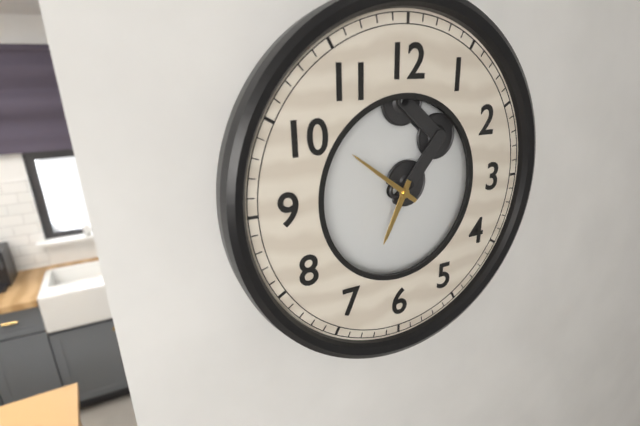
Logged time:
6:51
